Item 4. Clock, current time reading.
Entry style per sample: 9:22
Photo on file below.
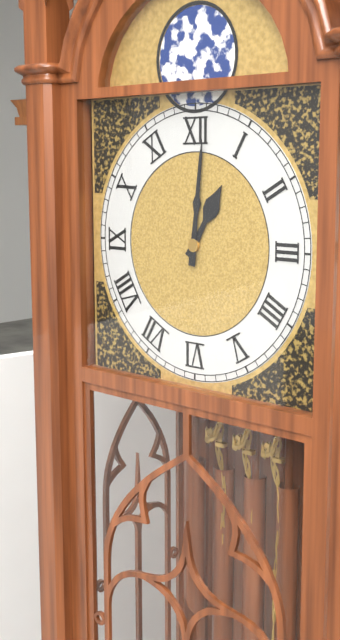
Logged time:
1:01
